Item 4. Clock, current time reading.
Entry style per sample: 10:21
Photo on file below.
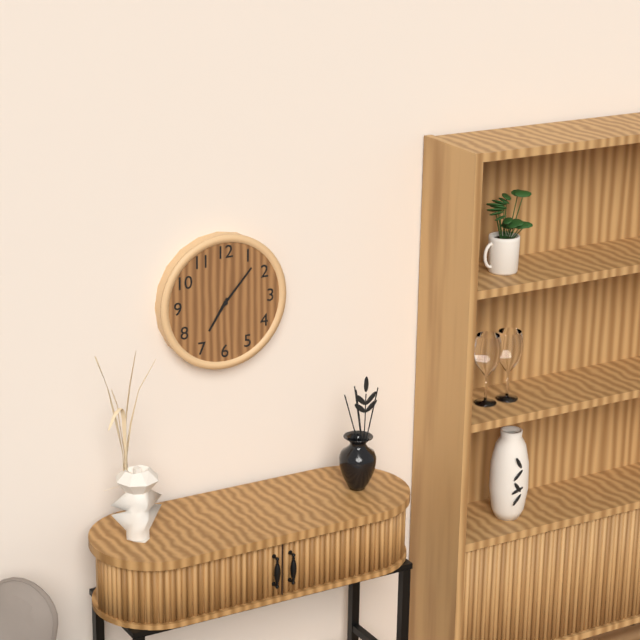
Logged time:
7:07
